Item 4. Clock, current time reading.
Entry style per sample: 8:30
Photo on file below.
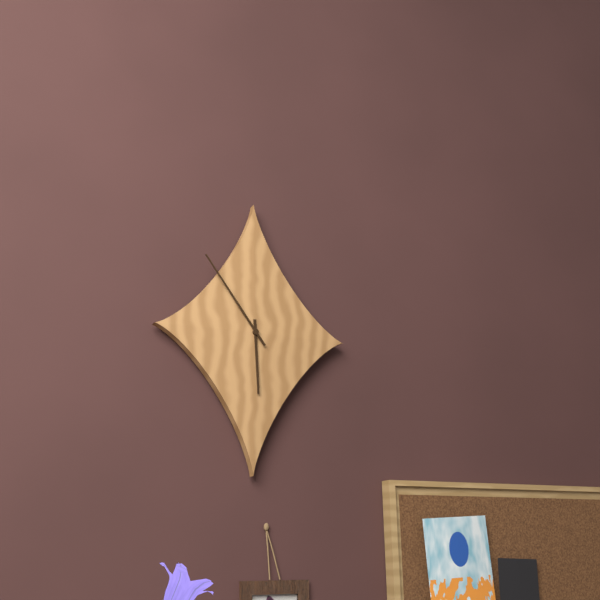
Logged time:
5:54
